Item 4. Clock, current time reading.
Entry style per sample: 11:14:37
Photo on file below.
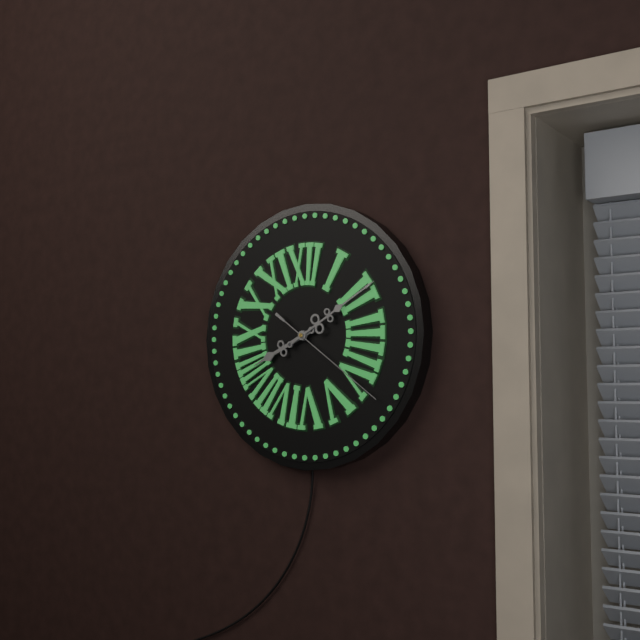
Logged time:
8:10:21
